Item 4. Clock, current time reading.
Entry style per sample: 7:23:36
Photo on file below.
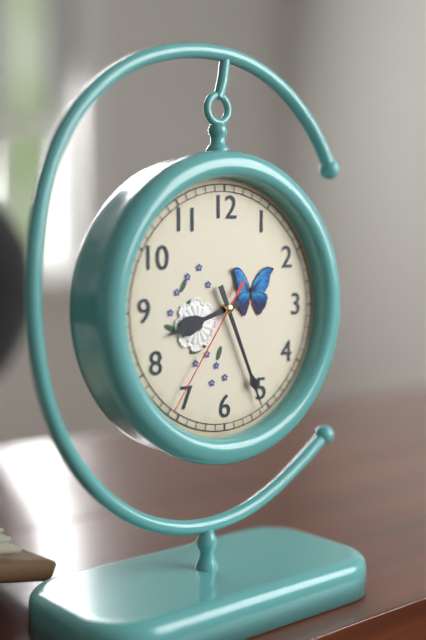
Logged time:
8:26:36
